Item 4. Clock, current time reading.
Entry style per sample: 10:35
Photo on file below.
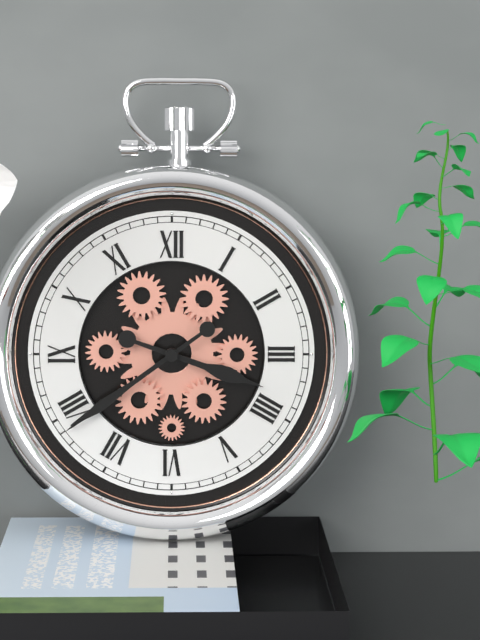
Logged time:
3:39
